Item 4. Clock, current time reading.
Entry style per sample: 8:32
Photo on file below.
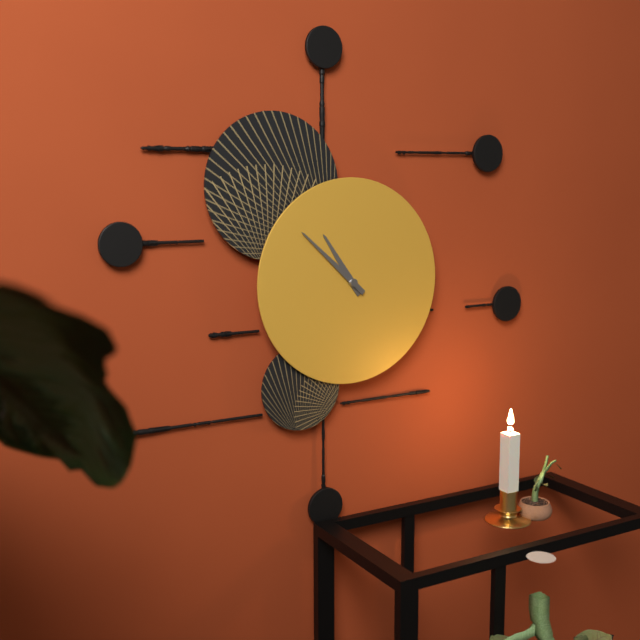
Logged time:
10:52
